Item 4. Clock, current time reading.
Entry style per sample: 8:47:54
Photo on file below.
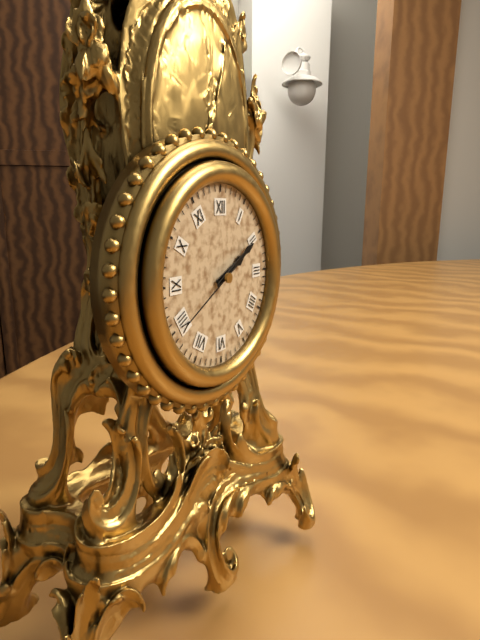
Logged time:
2:10:40
